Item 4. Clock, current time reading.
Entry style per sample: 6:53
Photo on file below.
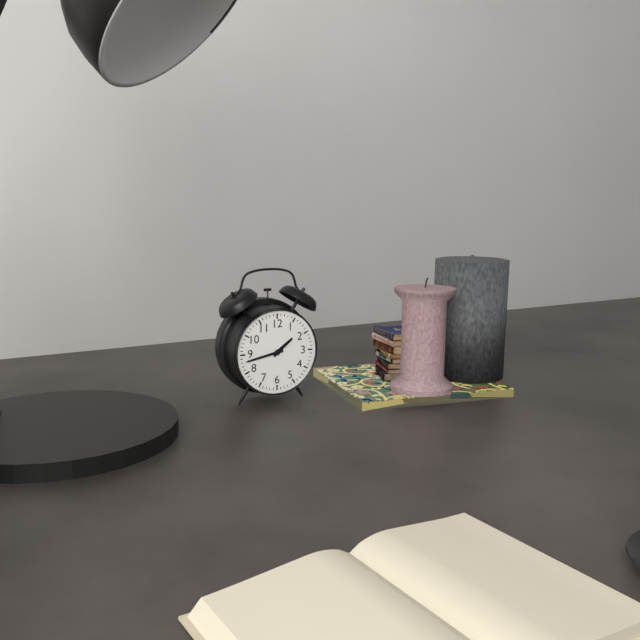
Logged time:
1:43
